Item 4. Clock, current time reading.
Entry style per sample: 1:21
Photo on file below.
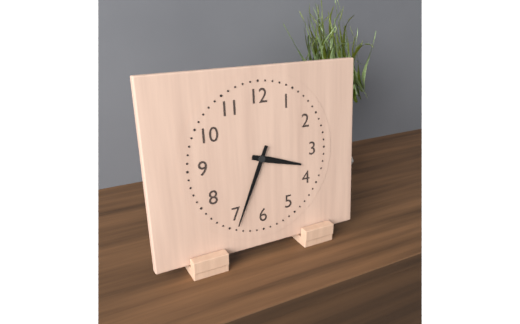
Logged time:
3:34
